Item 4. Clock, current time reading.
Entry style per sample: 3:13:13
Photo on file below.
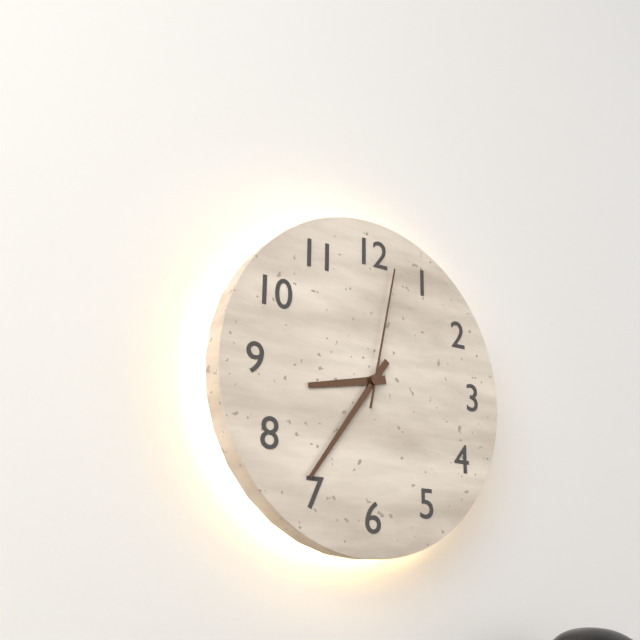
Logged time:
8:36:02
